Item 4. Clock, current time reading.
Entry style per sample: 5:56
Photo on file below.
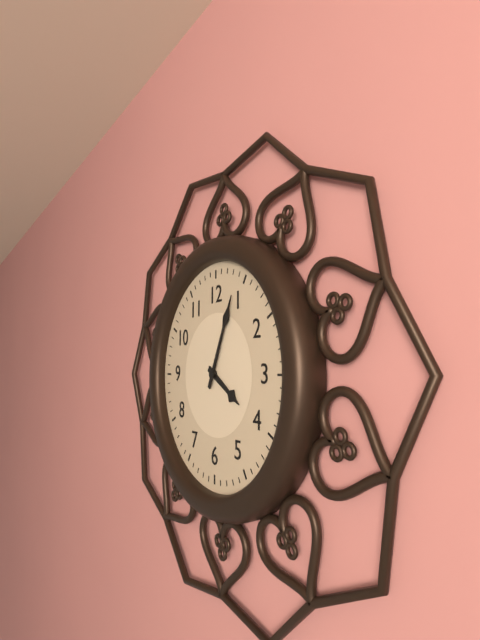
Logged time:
4:04
